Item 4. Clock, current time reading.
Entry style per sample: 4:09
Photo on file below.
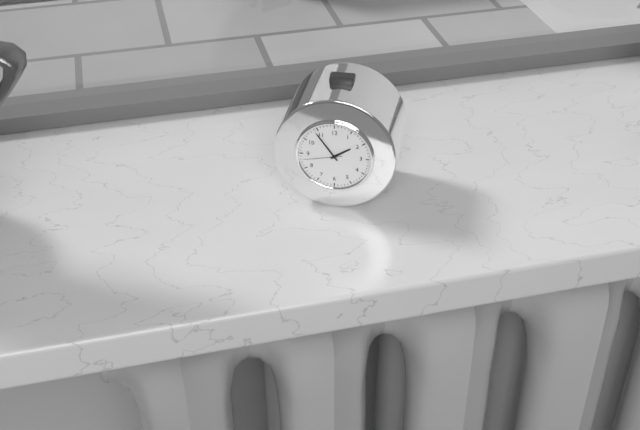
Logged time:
1:54
